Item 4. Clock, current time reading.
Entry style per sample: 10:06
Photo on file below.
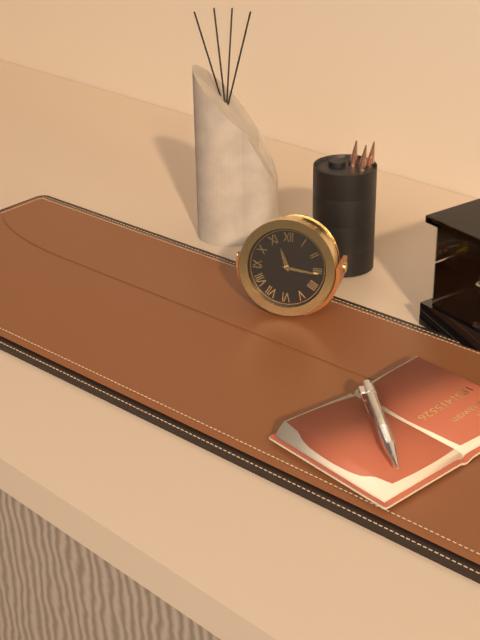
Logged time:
11:16
